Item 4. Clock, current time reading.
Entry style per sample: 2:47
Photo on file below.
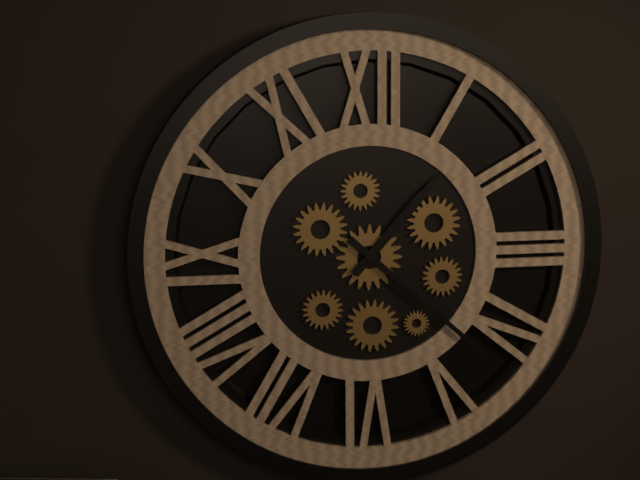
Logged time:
1:22
